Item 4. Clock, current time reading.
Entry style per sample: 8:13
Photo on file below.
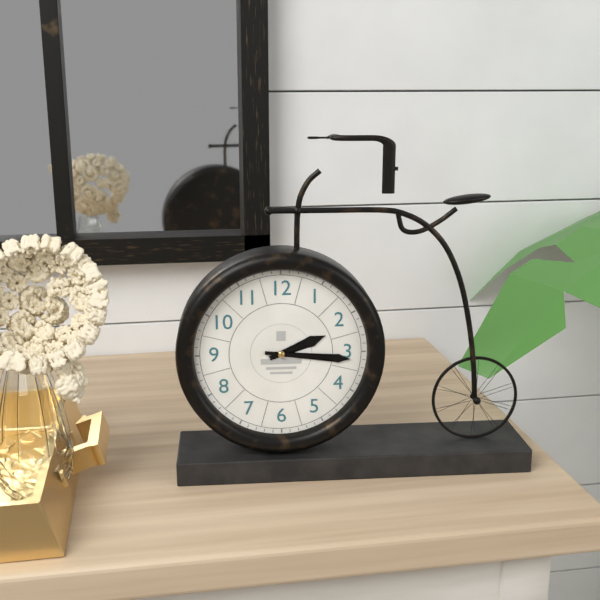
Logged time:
2:16
